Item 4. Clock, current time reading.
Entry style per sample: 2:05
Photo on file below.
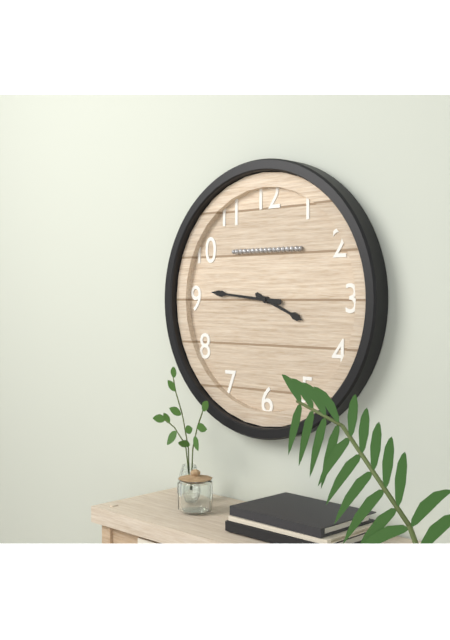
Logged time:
3:46
